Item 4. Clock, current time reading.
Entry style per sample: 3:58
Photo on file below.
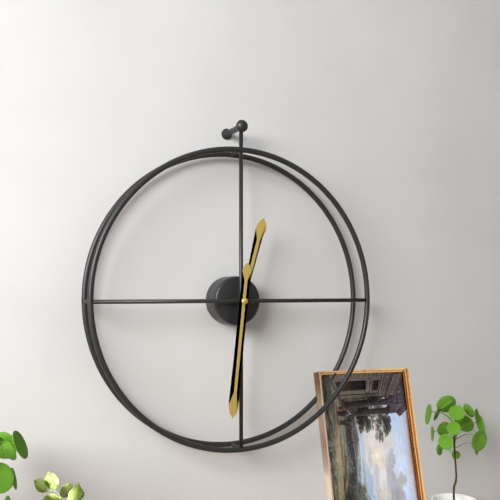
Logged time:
12:31
